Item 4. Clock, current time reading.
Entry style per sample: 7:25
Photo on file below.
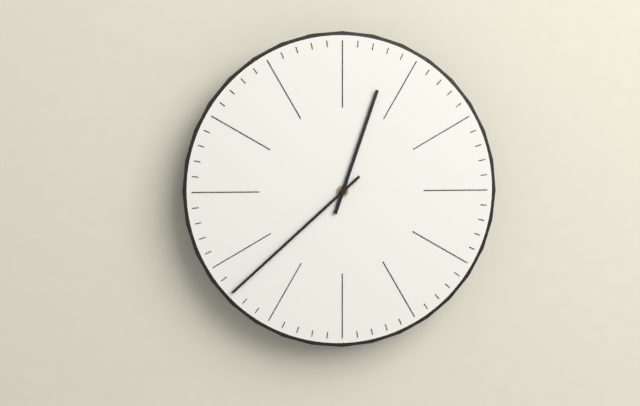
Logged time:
12:38
